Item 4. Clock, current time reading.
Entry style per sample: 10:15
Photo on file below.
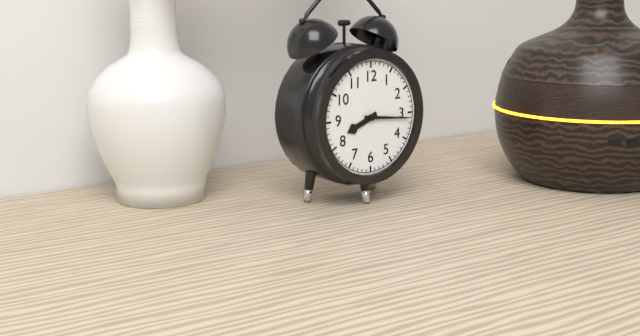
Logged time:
8:16
